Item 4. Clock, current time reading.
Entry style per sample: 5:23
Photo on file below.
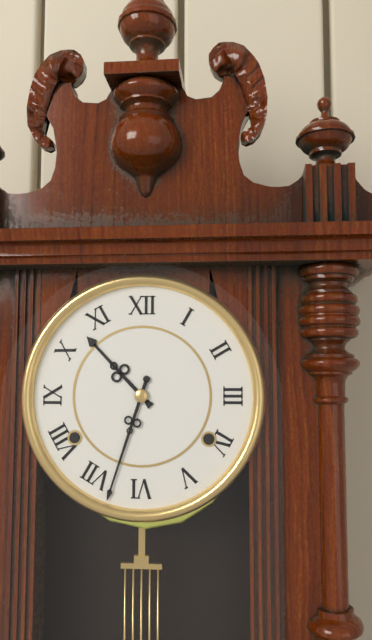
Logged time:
10:33
